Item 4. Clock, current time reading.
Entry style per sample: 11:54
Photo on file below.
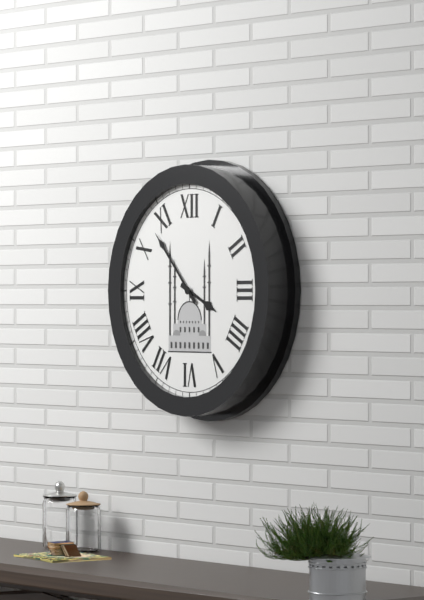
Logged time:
3:53
